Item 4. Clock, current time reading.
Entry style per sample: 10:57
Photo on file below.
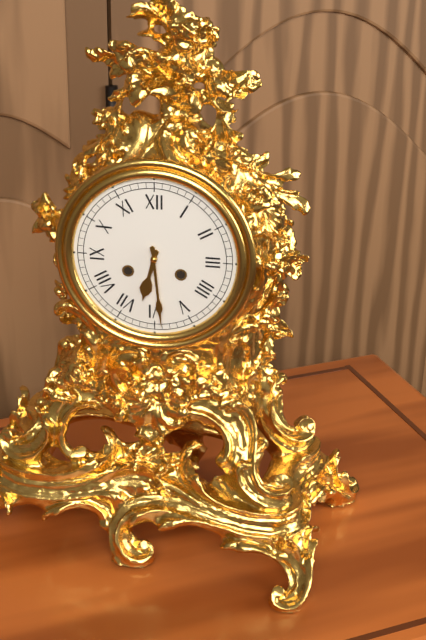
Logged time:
6:29
